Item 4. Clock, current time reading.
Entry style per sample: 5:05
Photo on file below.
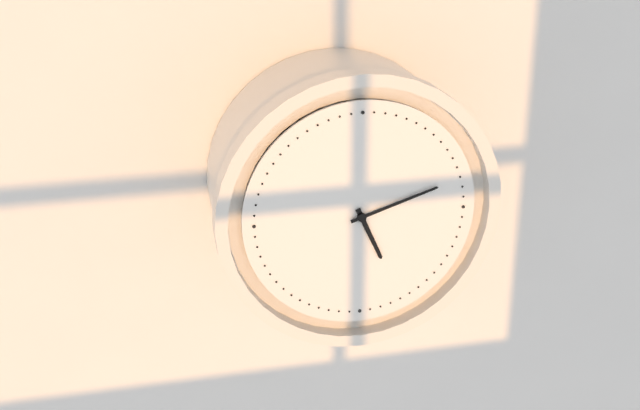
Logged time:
5:12
